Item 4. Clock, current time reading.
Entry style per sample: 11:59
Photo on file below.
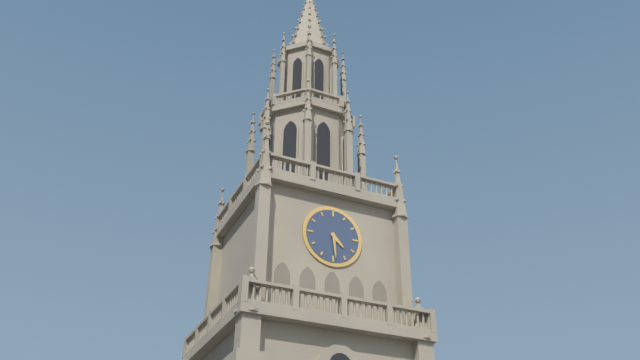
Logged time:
4:29
